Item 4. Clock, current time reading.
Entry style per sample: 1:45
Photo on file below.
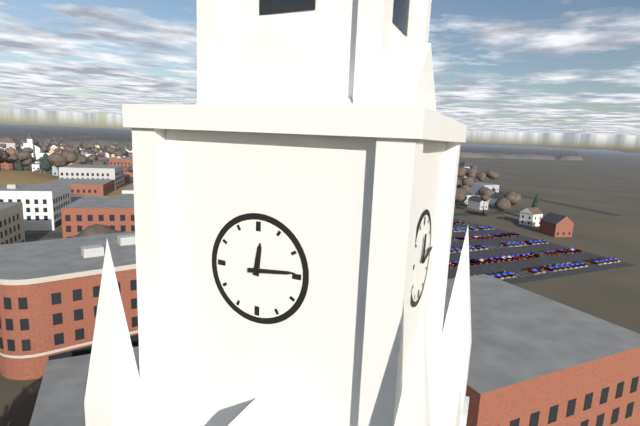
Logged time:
12:14
